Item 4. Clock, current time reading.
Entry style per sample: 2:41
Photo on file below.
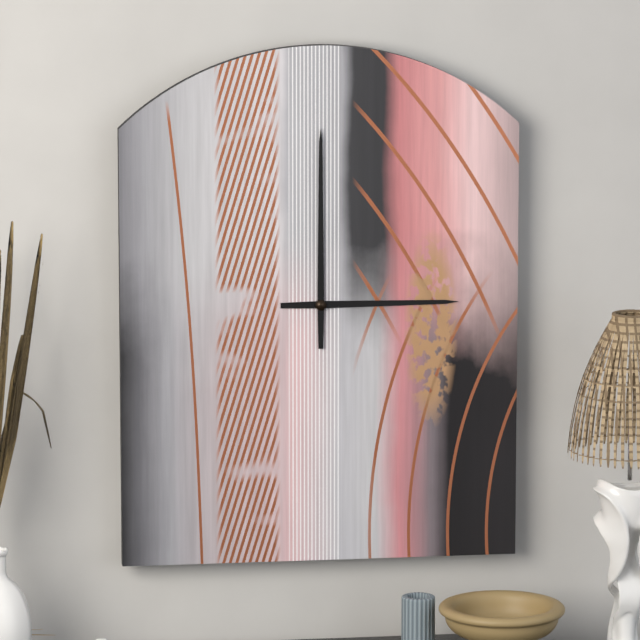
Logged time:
3:00
